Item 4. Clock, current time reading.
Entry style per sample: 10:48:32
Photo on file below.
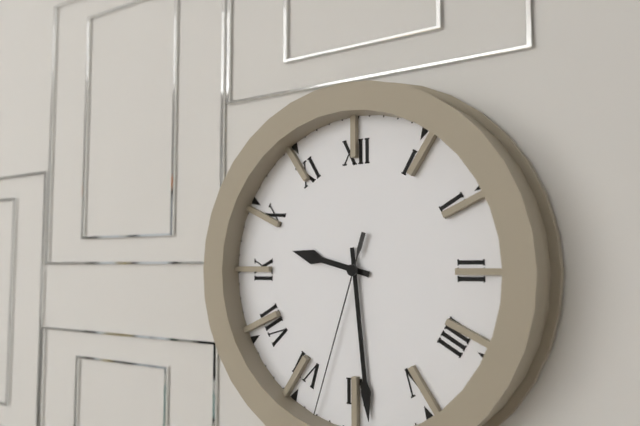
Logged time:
9:29:33
